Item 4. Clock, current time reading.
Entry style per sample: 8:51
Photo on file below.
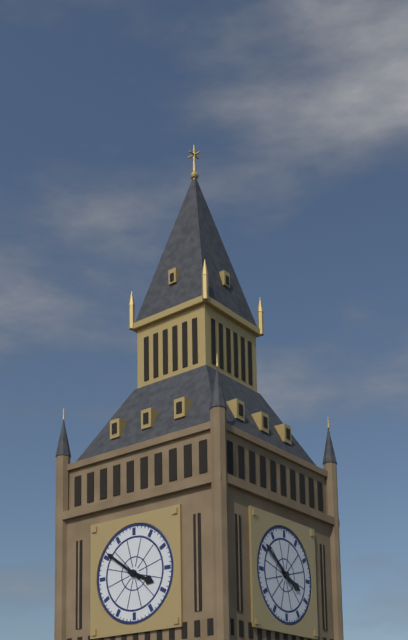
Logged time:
3:51
